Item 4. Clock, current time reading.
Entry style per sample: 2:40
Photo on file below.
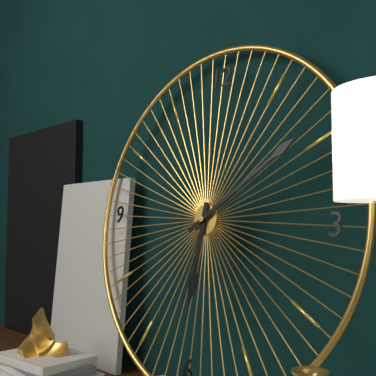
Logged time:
6:09
